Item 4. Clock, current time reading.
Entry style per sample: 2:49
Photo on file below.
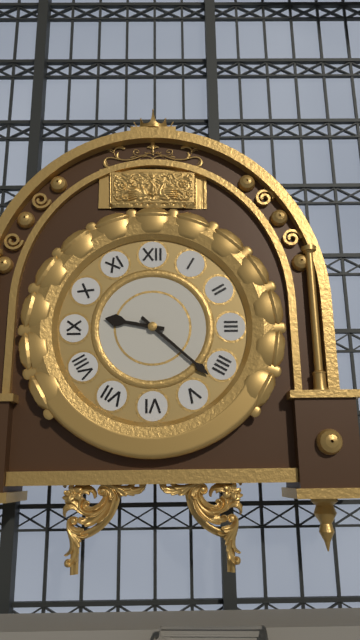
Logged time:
9:22
